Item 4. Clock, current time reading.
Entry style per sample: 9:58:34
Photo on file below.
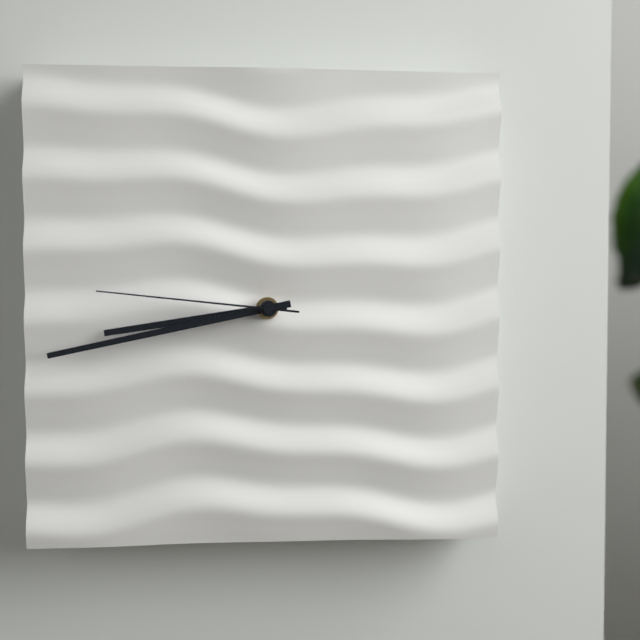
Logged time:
8:43:46
